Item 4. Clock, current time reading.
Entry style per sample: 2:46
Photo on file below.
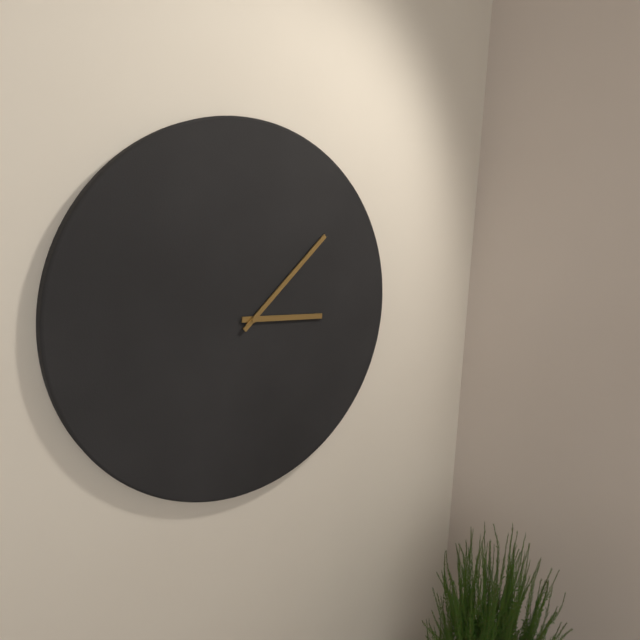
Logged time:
3:08
